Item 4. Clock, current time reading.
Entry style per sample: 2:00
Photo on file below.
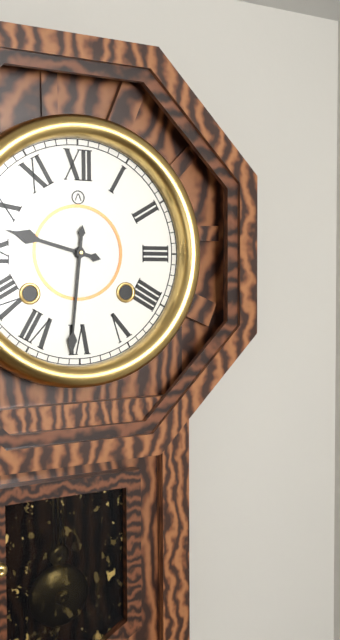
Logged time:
9:31
